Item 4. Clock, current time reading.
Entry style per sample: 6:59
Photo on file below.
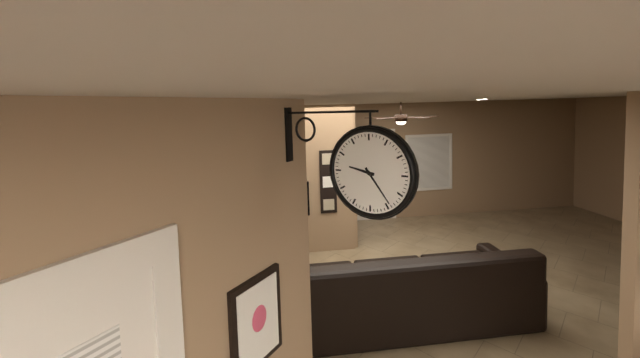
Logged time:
9:24
